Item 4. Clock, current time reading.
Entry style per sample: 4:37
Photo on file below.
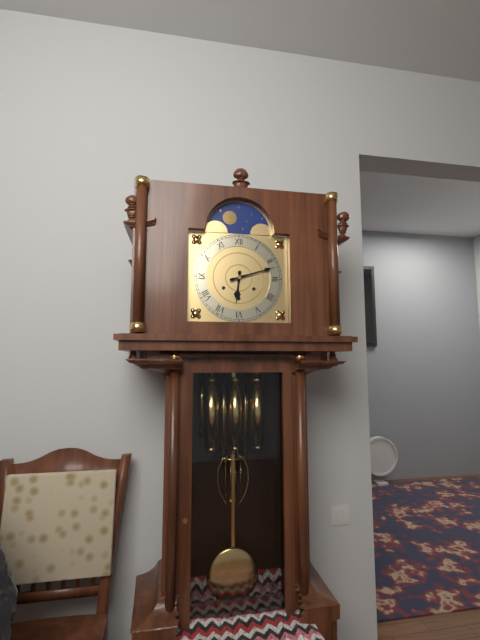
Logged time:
6:12
